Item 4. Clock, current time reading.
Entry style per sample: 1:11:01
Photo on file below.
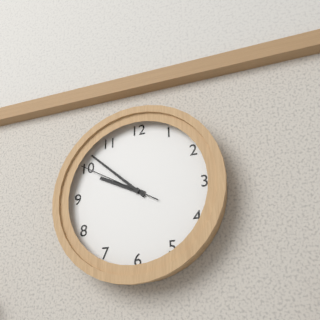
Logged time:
9:52:50
